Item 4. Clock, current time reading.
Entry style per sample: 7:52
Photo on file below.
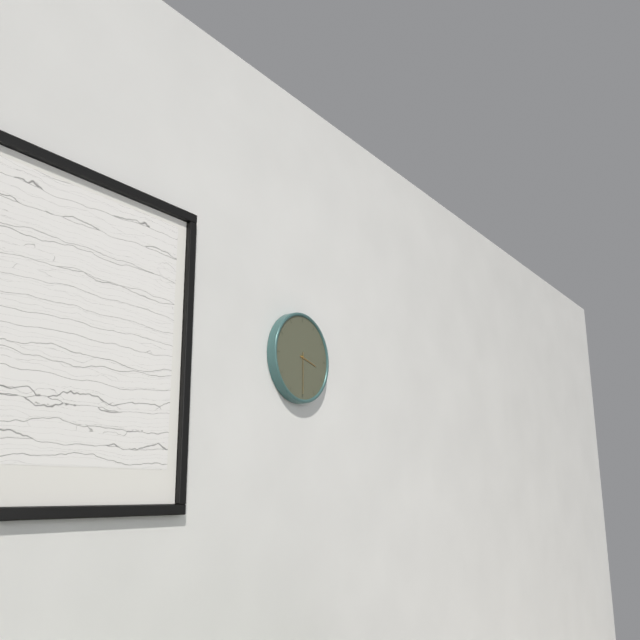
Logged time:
3:30
